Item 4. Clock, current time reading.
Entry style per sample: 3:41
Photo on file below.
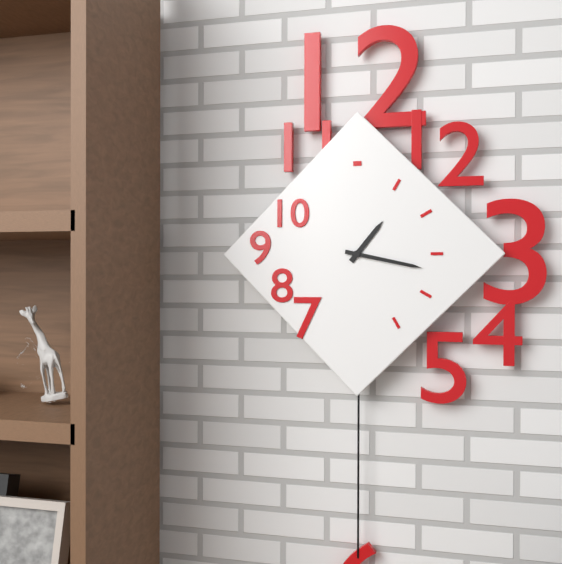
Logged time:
1:17
